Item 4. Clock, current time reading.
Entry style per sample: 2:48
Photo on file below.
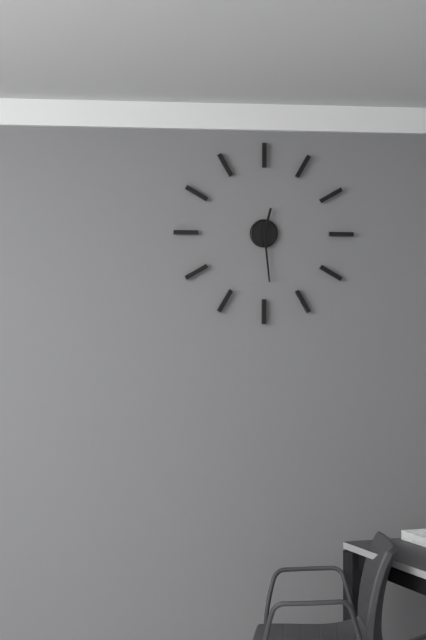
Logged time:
12:29
